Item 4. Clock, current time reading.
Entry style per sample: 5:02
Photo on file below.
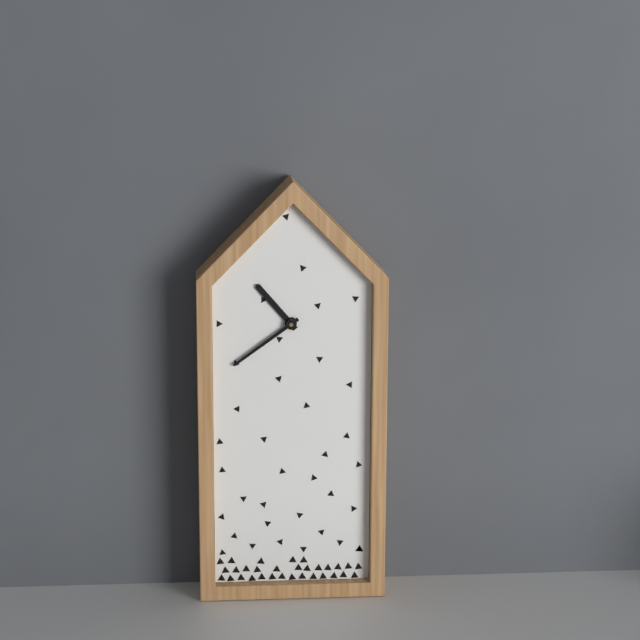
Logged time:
10:39
